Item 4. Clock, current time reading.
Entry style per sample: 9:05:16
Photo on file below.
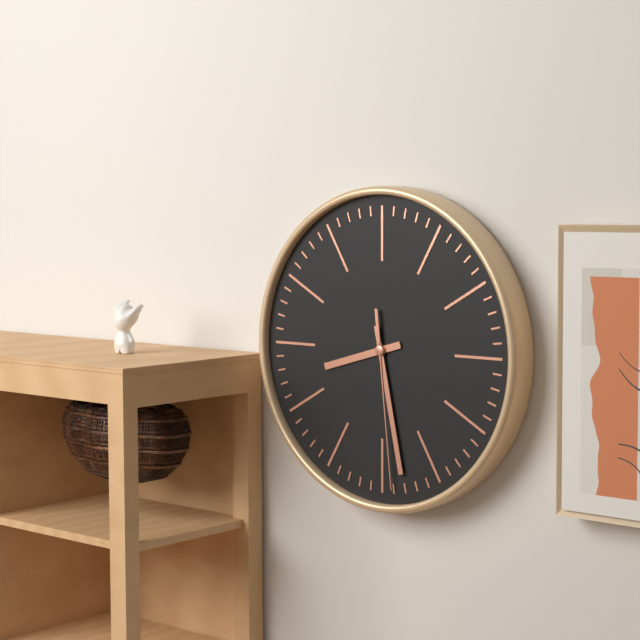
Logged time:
8:28:29
